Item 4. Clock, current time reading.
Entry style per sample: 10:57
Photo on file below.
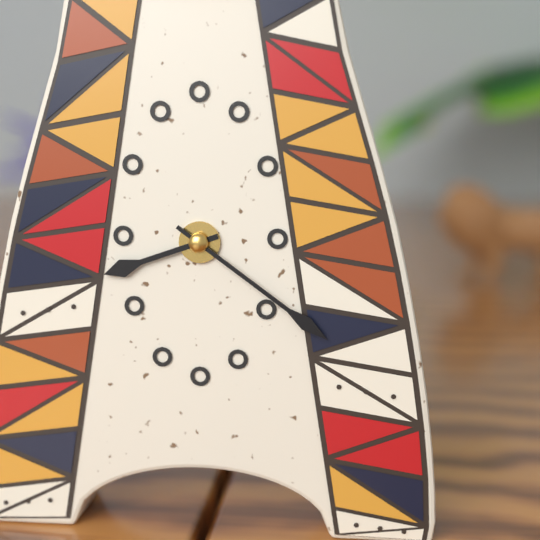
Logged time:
8:21
